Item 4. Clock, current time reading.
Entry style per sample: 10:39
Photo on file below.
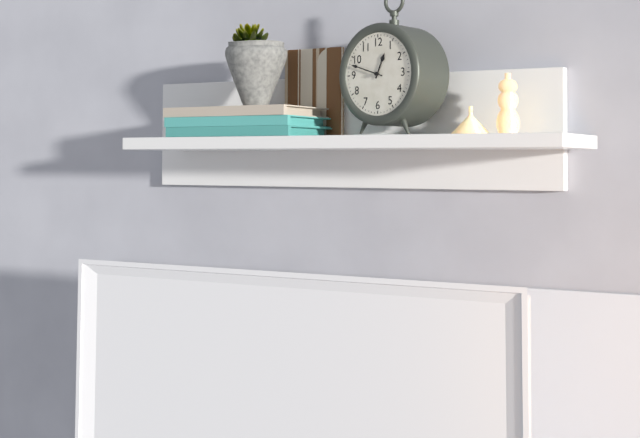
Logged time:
12:48
